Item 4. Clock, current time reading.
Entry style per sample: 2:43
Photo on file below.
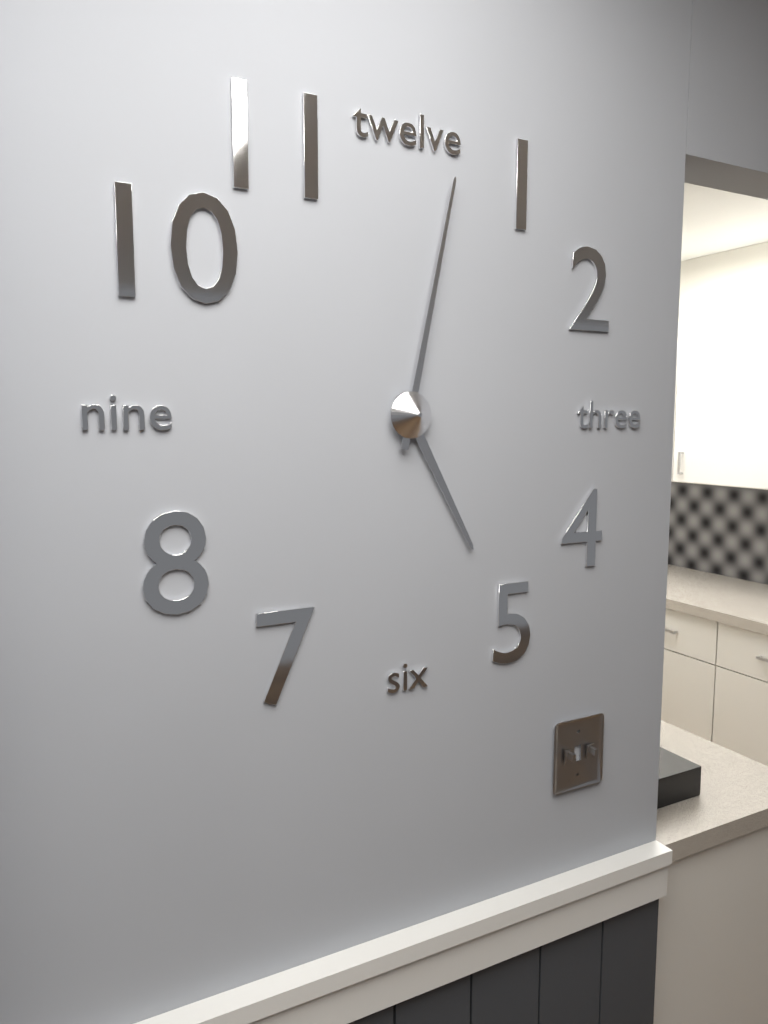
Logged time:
5:02
